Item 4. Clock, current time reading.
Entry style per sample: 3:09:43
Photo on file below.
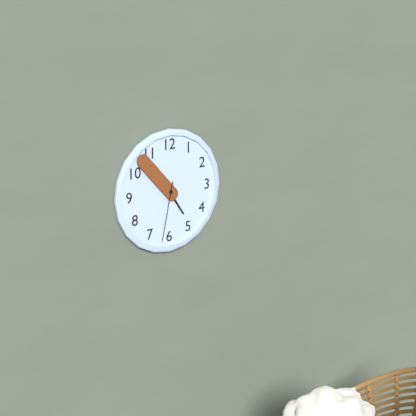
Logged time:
4:53:32
